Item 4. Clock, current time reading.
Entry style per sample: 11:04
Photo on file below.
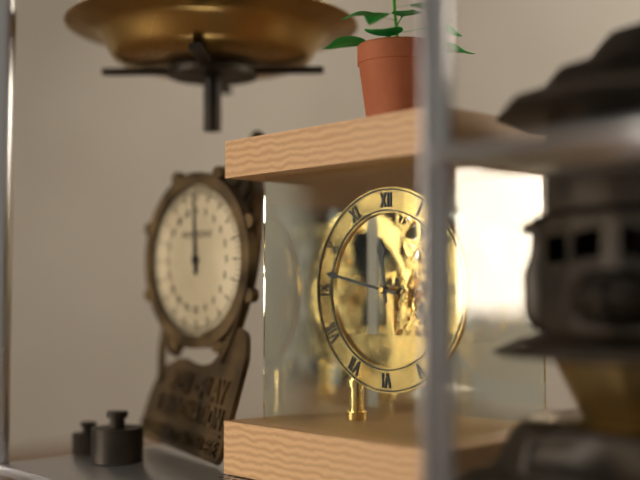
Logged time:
11:47
